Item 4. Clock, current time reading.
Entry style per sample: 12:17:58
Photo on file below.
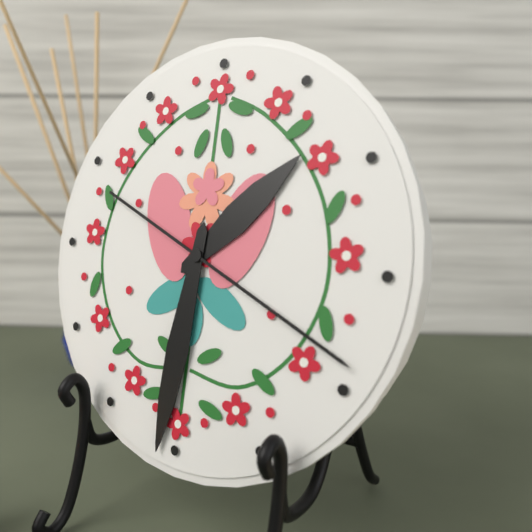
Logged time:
1:31:19
